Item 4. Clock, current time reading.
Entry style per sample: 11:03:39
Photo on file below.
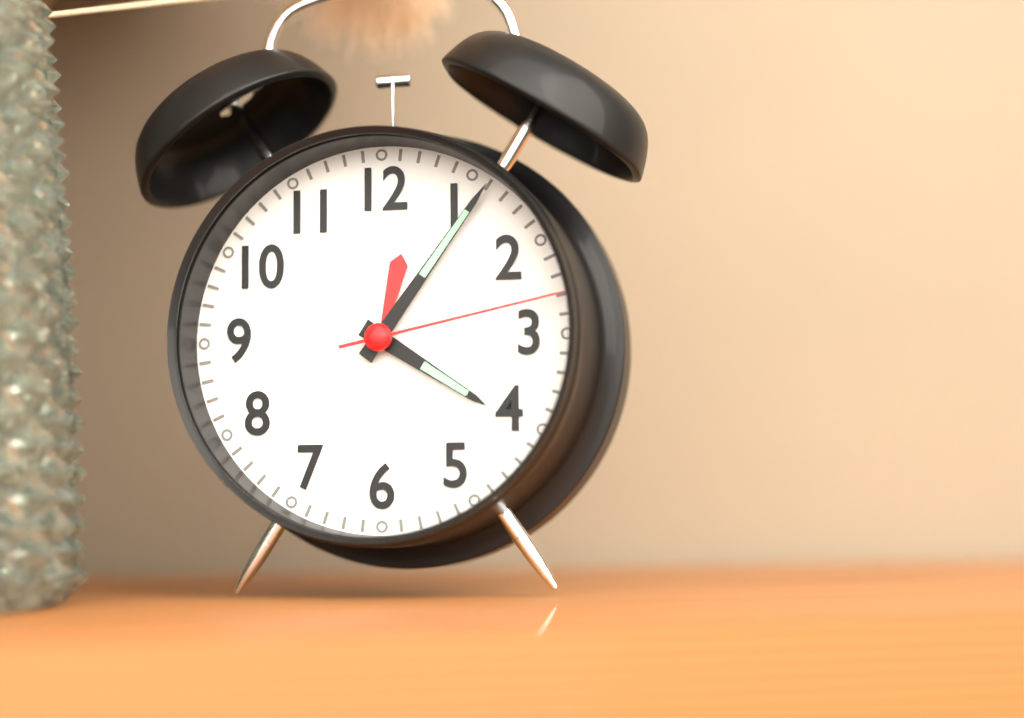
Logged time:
4:06:13
